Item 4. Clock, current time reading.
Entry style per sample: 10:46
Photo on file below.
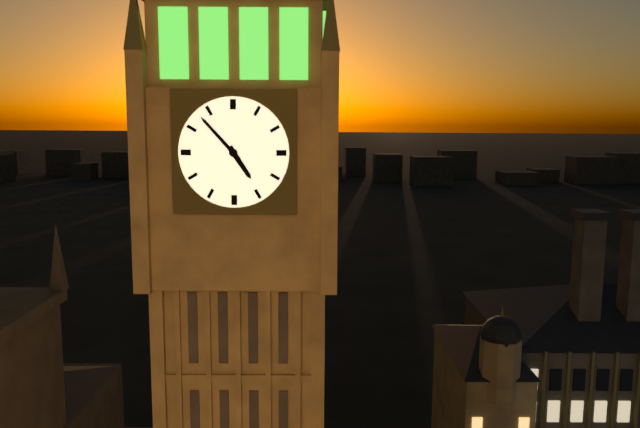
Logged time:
4:53
